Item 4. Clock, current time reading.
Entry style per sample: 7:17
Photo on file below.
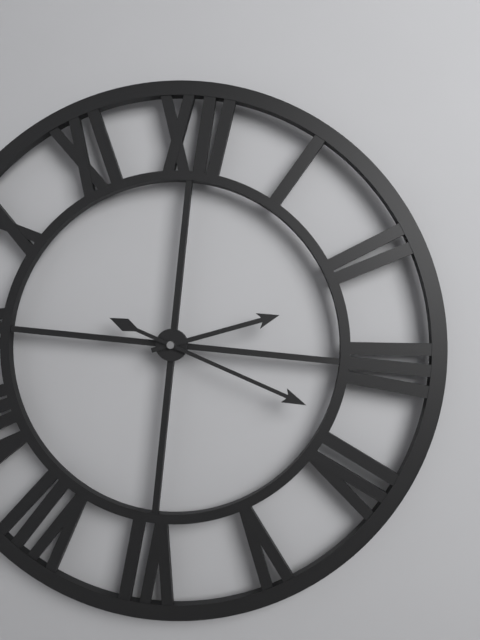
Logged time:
2:18
